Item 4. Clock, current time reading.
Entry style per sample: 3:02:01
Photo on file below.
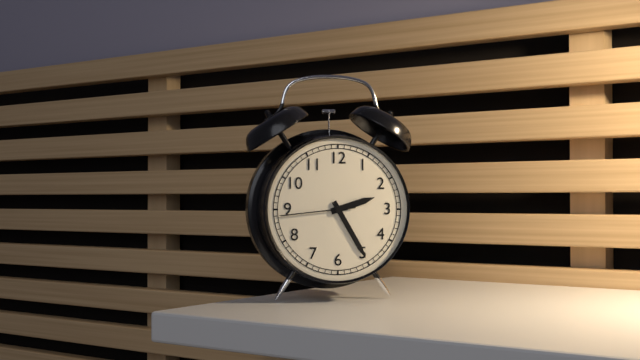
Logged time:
2:25:44
